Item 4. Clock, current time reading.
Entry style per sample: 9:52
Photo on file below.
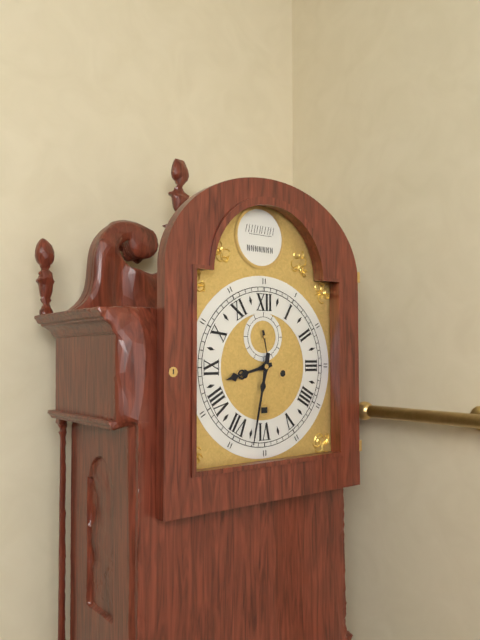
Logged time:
8:32
